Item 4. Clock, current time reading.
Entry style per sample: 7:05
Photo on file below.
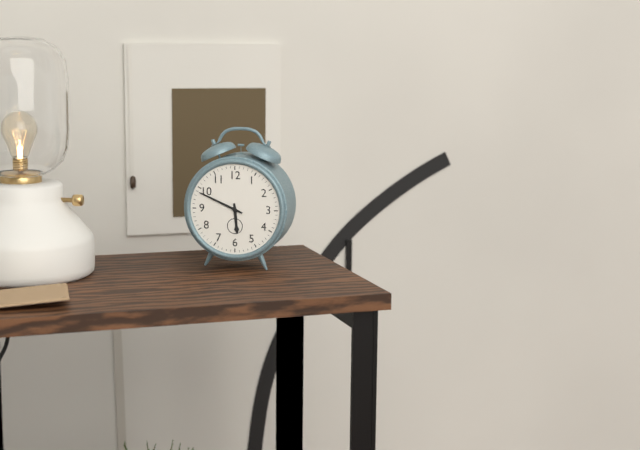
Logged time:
5:49
